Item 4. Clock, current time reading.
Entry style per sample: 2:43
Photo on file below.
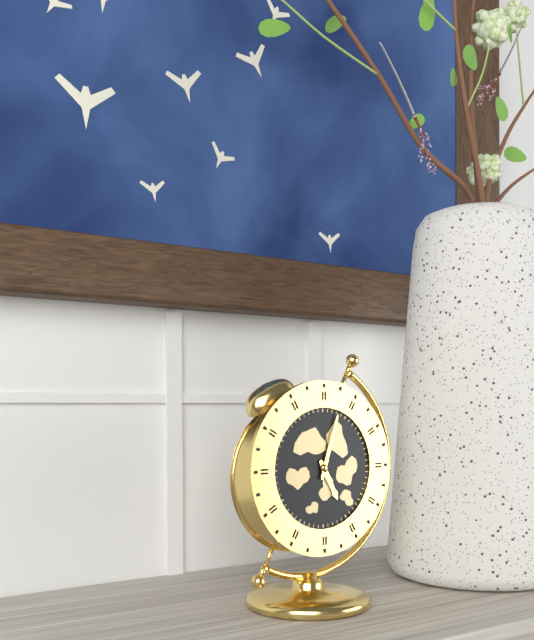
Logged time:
5:03
